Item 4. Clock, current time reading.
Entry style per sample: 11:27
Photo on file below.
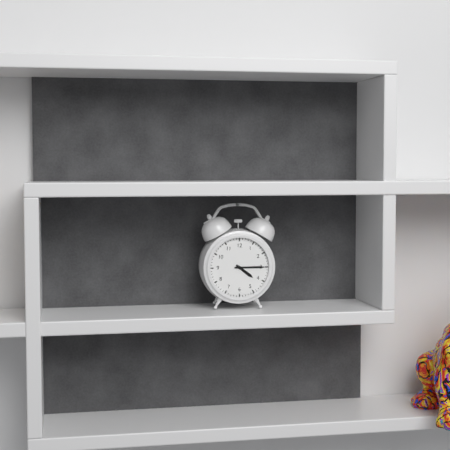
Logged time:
4:15
